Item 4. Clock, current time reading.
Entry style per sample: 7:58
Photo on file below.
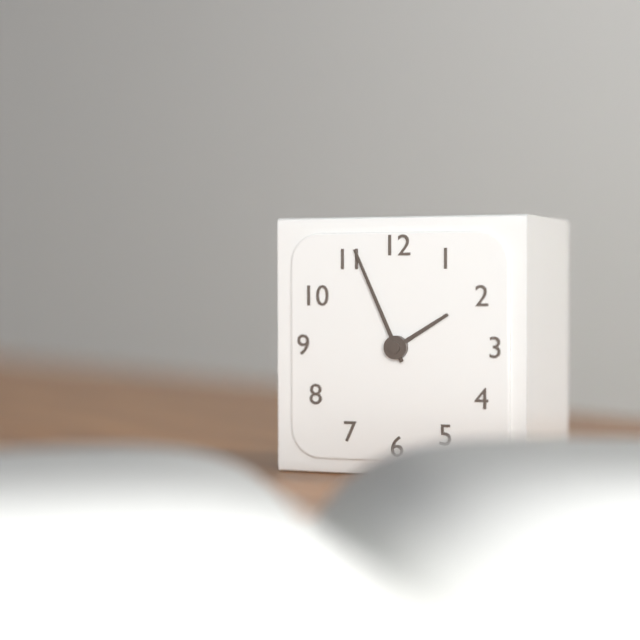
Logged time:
1:56
